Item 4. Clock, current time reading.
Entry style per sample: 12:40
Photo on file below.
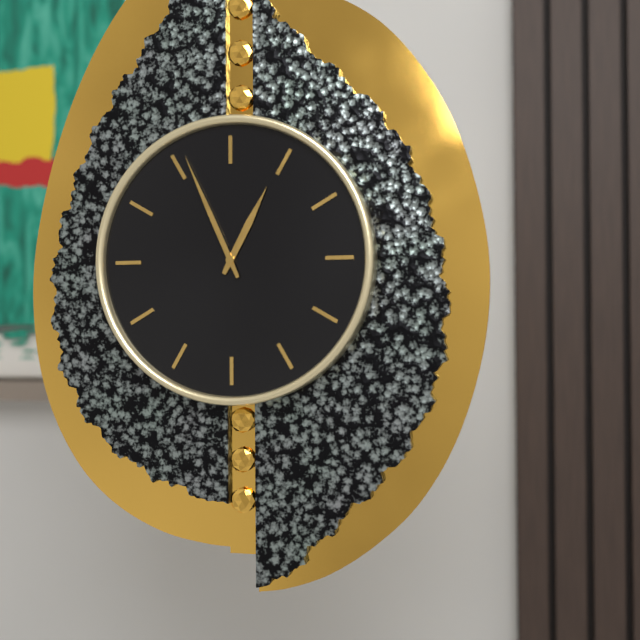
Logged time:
12:56
